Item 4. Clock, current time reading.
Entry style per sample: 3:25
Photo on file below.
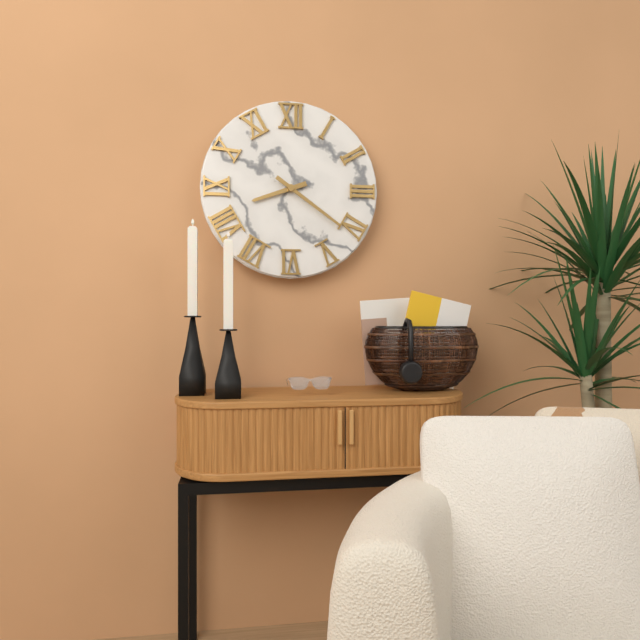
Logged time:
8:21
